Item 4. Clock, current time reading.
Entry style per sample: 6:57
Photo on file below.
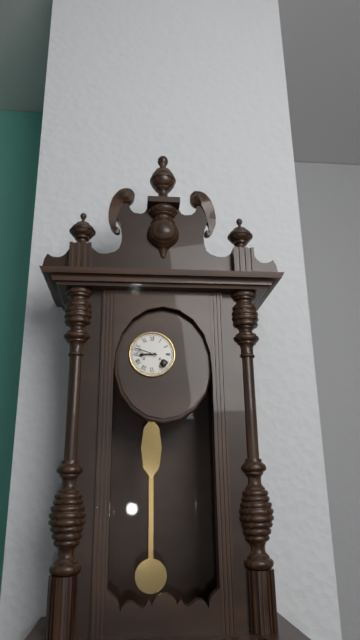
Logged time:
8:48
